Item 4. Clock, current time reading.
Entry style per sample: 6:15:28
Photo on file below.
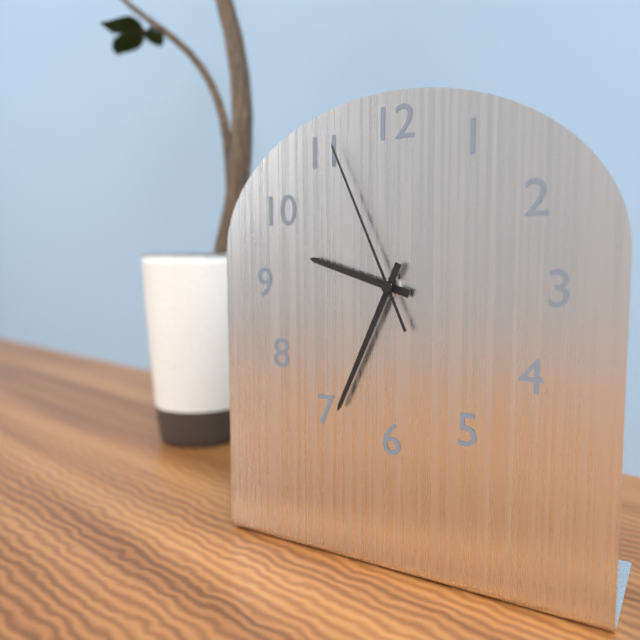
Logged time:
9:34:56
